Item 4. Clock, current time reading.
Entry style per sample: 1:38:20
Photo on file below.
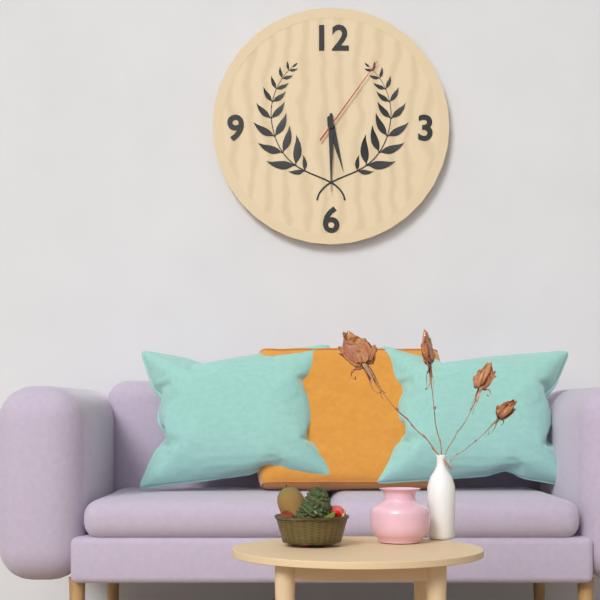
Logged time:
5:30:06
